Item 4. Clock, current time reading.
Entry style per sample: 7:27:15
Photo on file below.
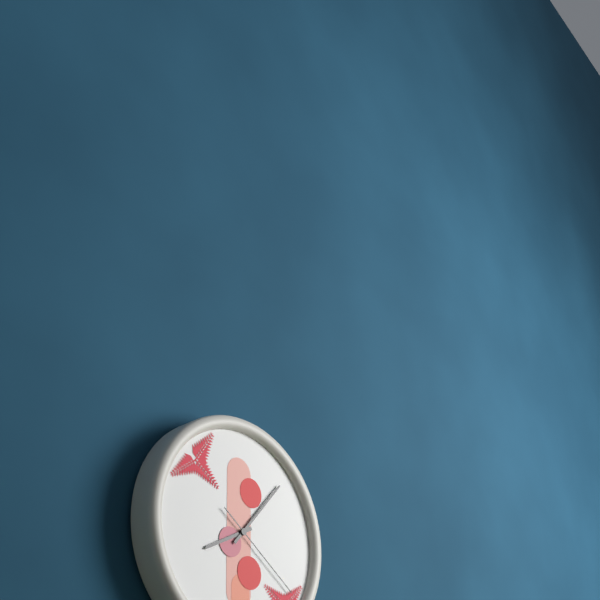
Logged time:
8:07:21
